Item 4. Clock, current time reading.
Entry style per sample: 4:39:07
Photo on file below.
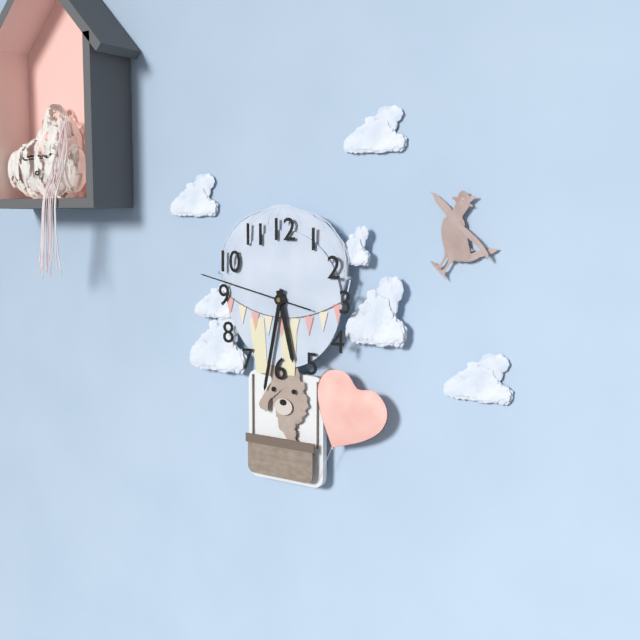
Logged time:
5:32:47
